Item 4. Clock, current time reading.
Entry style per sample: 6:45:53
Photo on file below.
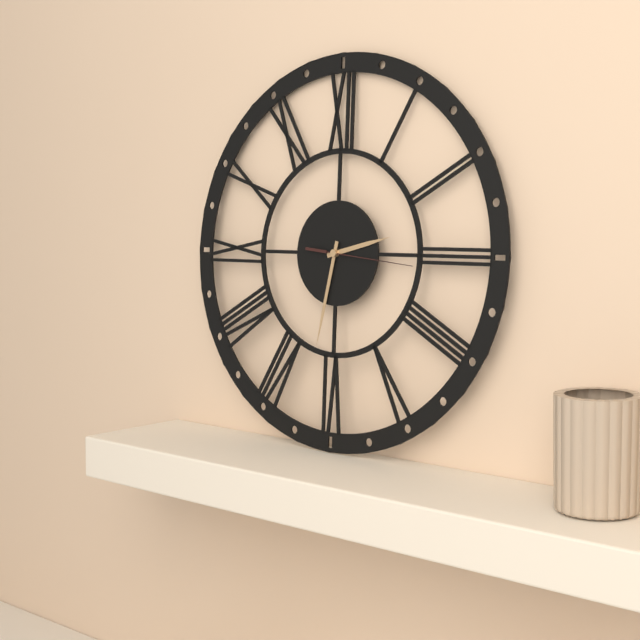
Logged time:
2:32:16
